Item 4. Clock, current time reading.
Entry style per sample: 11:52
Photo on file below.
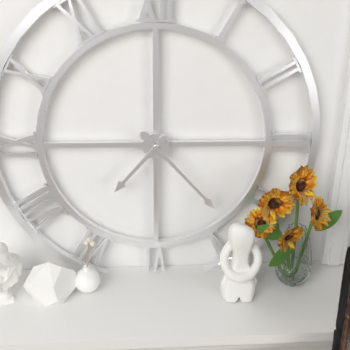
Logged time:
7:23
